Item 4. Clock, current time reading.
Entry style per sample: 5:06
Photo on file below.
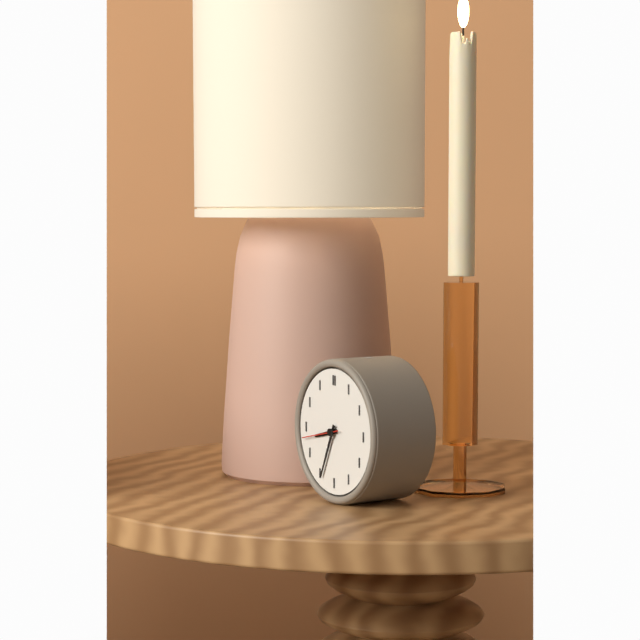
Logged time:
8:34
